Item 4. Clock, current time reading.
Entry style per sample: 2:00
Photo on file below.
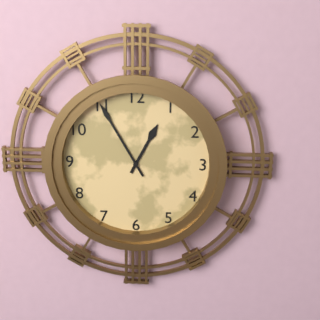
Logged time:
12:55
